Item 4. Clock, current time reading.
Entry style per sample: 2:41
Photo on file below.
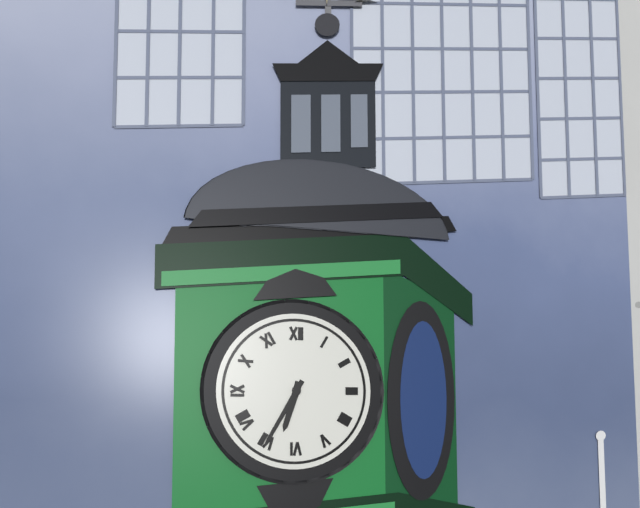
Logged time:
6:35
